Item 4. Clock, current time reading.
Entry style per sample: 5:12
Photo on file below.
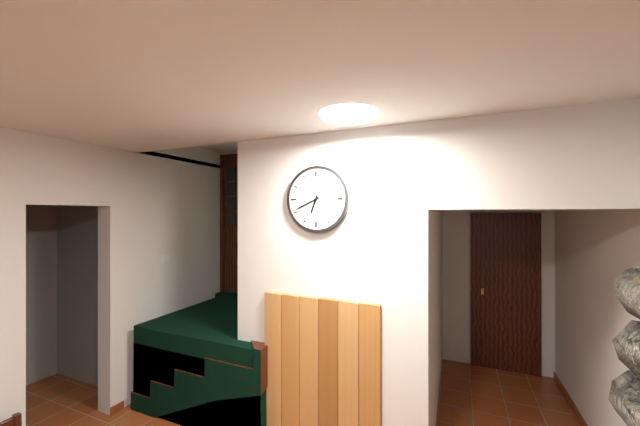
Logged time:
6:41
